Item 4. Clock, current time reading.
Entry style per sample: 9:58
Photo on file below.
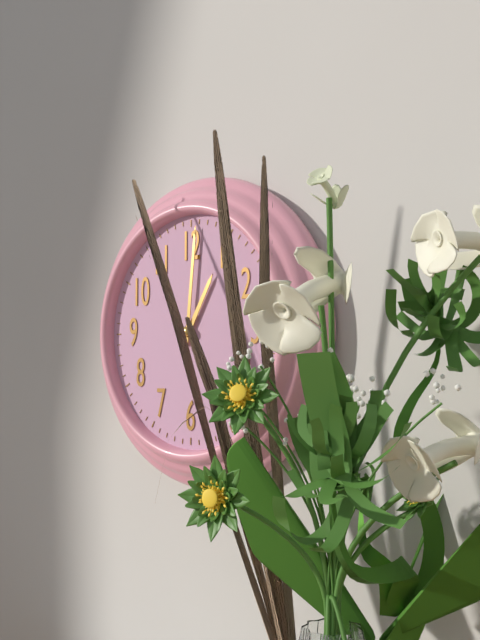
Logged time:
1:01
